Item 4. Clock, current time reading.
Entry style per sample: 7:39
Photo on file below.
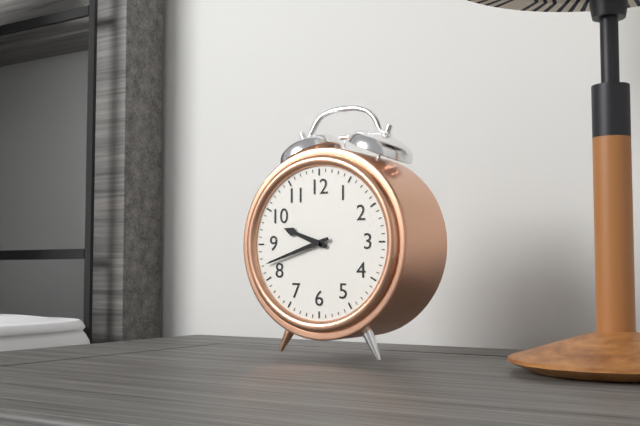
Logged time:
9:42
